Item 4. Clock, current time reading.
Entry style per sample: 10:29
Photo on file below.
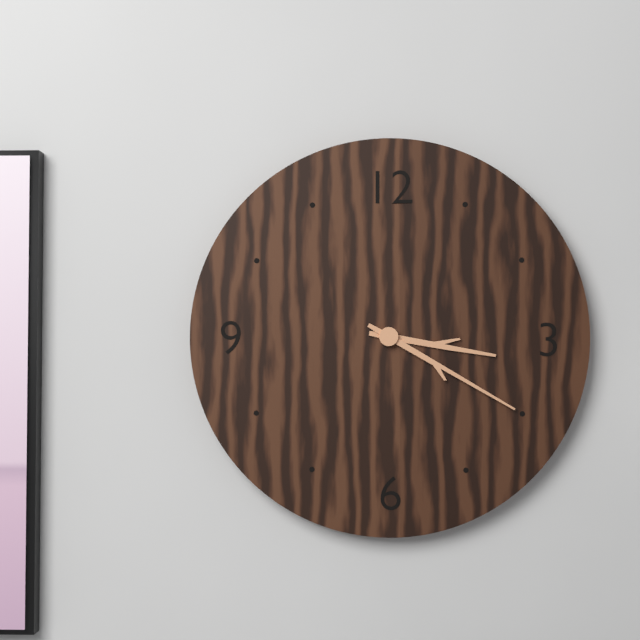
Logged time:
3:20
